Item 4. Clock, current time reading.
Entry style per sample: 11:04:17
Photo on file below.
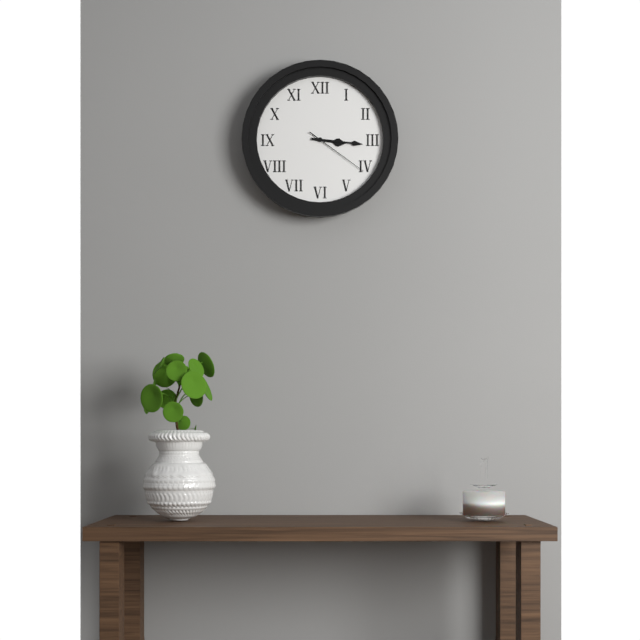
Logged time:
3:16:21
